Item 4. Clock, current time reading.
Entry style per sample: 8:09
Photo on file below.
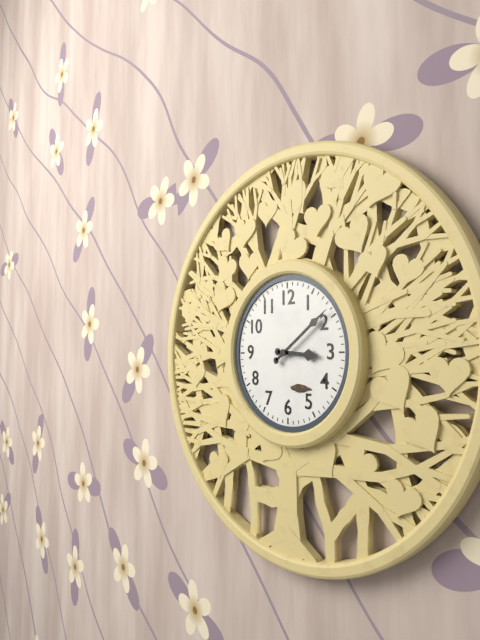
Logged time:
3:09
